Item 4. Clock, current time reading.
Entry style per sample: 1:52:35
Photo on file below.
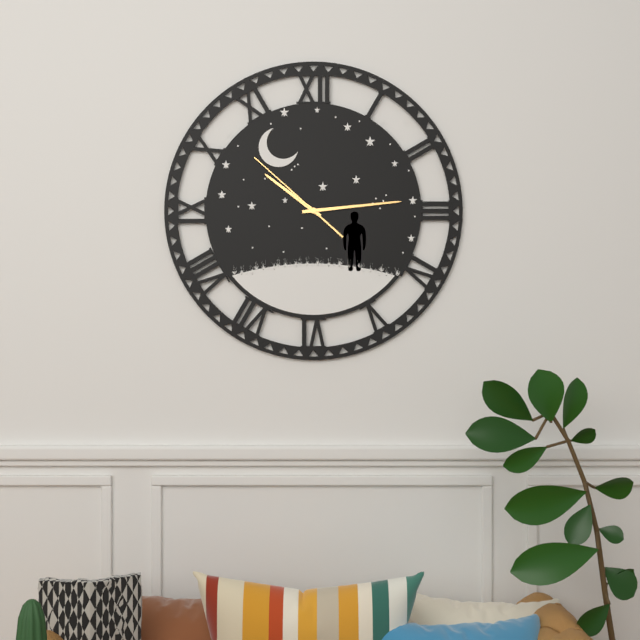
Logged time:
10:14:52
